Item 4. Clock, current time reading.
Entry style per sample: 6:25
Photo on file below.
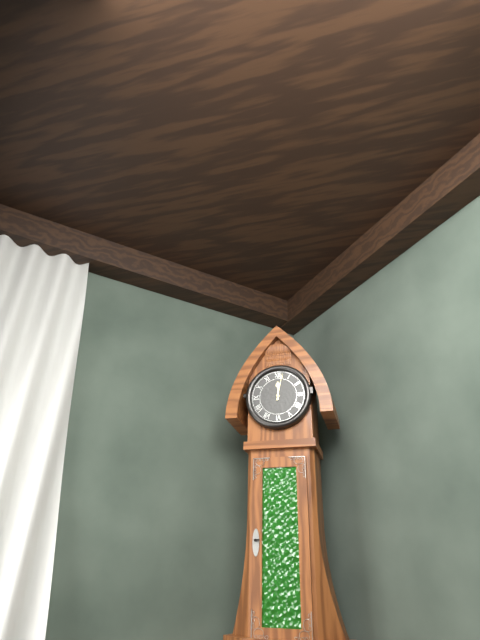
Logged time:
12:02
